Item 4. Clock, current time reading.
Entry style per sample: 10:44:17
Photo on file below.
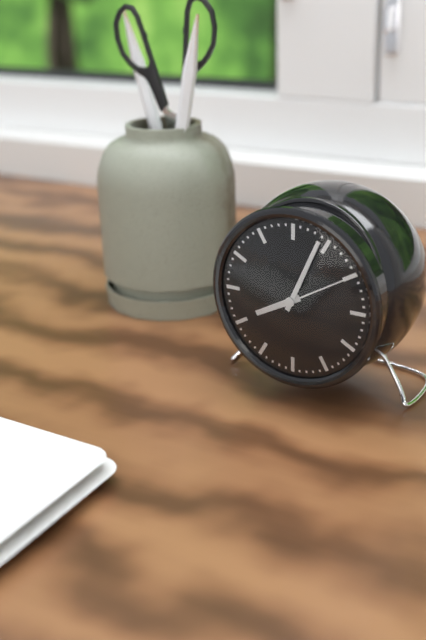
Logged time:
8:04:10
